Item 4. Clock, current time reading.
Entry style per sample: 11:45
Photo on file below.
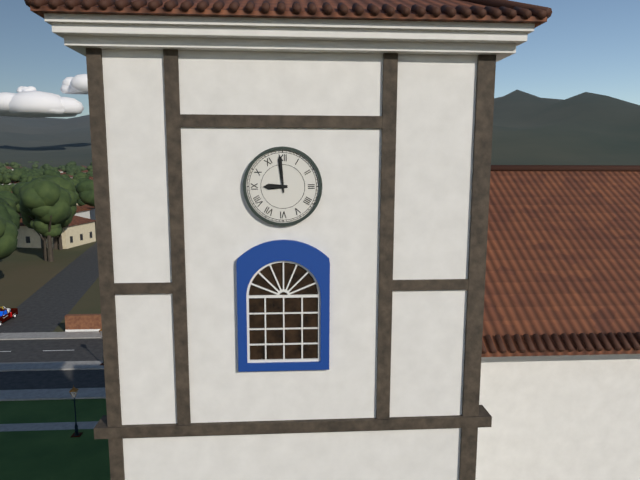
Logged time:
8:59
